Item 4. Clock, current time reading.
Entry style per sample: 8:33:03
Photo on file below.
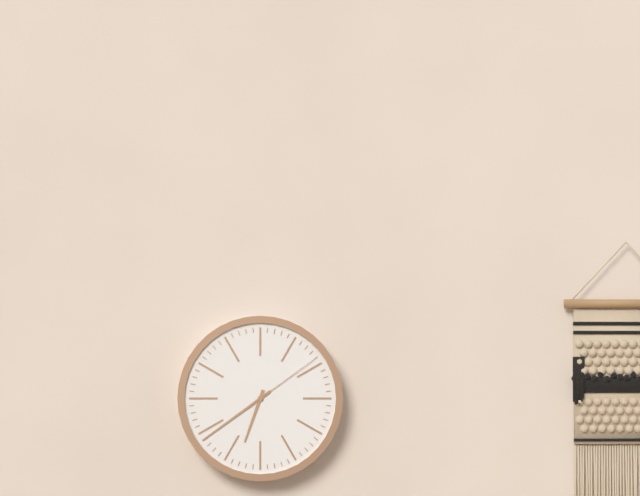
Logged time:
6:39:09
